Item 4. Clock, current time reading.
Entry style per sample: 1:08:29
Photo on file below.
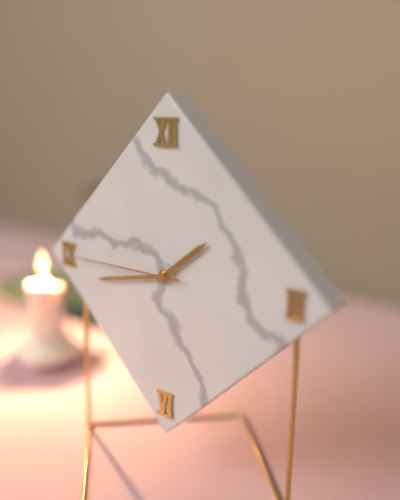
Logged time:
1:43:45
